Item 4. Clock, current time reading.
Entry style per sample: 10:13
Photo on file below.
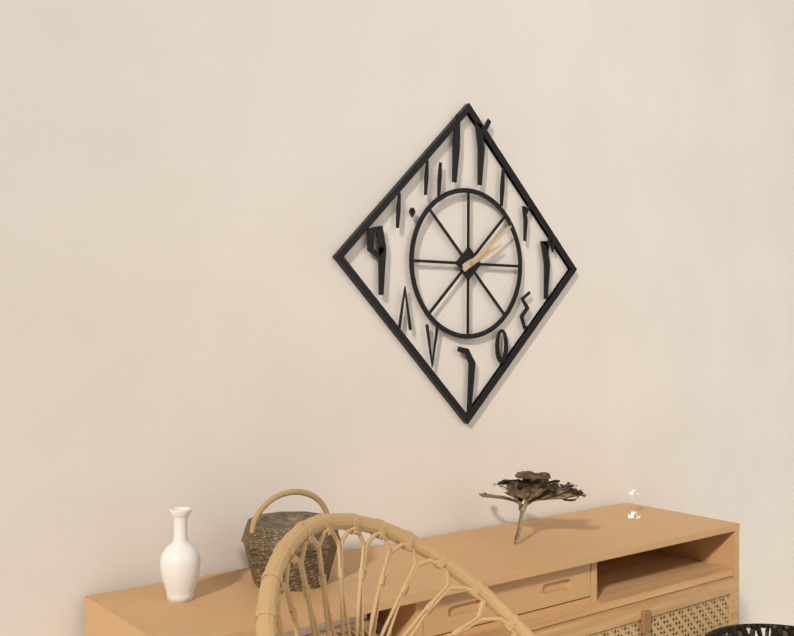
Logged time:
2:09
